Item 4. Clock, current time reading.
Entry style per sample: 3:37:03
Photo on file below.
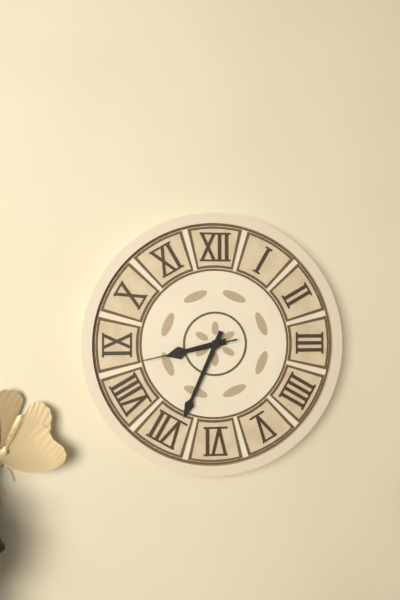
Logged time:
8:34:43
